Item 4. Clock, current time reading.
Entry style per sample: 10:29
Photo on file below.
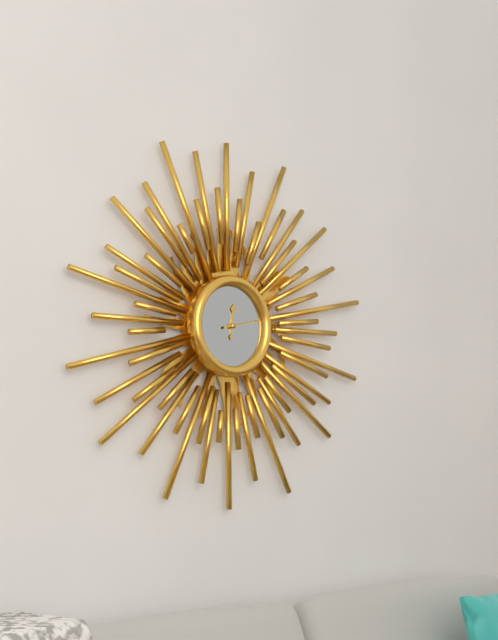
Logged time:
12:13
